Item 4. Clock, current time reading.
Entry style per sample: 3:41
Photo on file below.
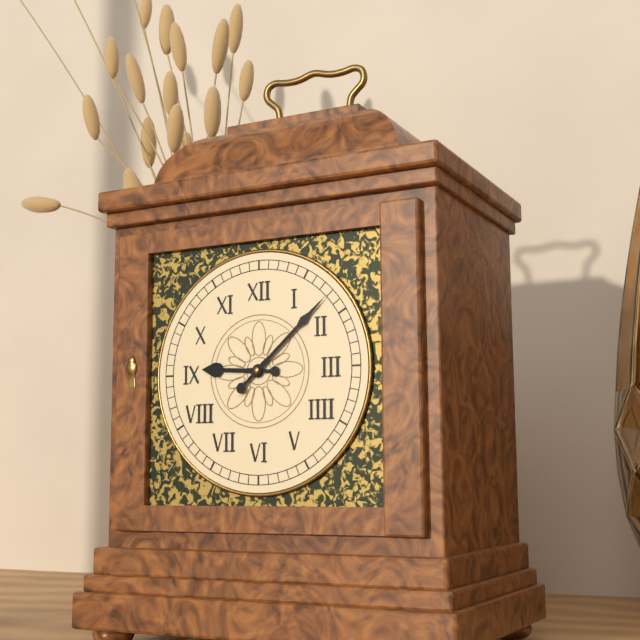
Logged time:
9:08
